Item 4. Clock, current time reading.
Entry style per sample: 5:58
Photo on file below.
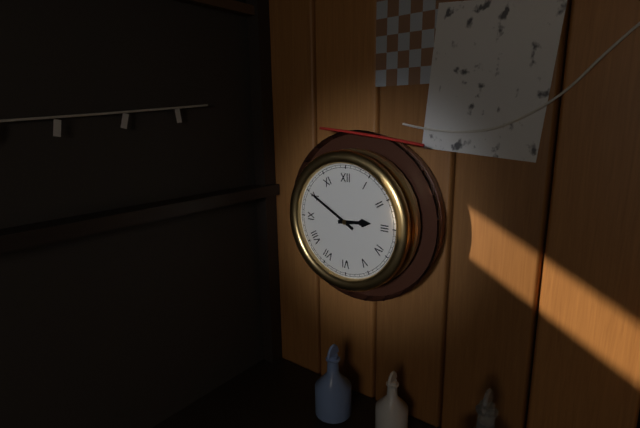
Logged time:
2:50
